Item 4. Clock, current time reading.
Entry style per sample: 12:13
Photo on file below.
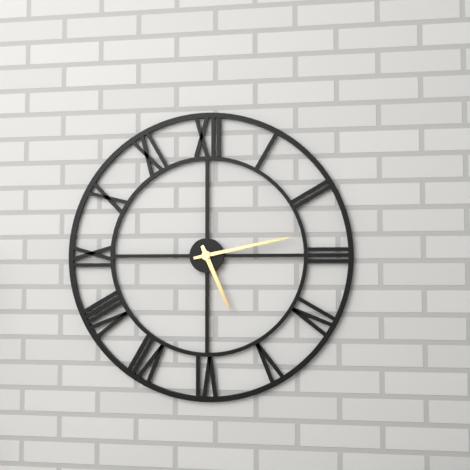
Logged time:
5:13
